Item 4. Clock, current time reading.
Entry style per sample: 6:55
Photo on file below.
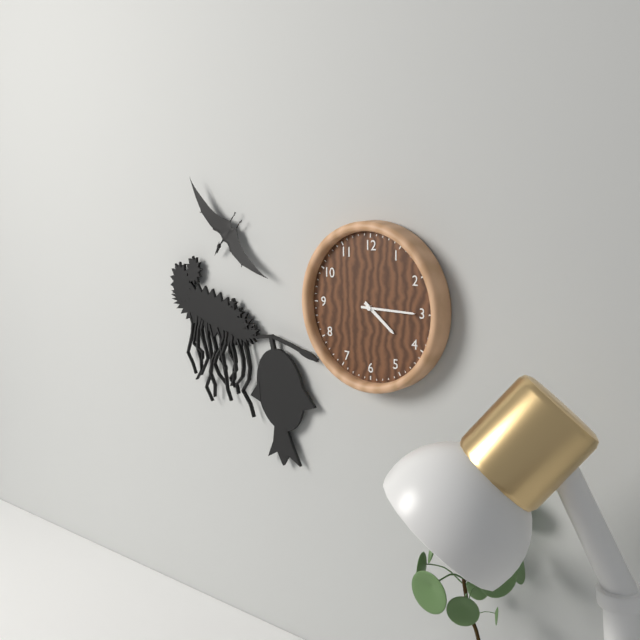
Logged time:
4:15
